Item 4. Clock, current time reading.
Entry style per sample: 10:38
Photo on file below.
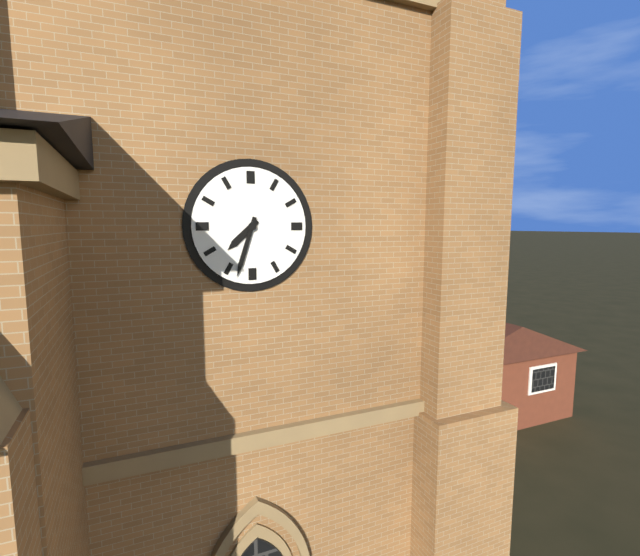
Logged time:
7:33
